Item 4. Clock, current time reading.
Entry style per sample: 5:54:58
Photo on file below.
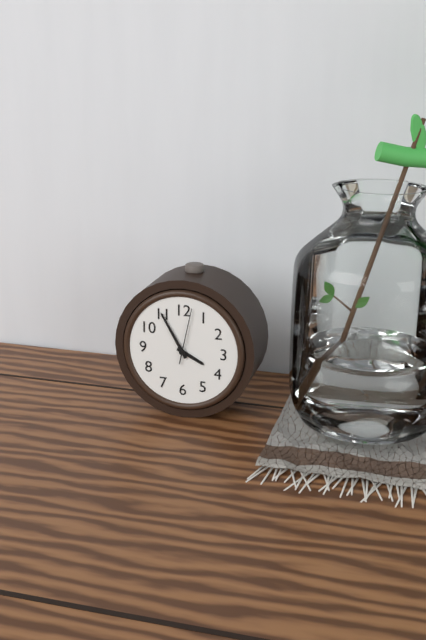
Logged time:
3:55:02
